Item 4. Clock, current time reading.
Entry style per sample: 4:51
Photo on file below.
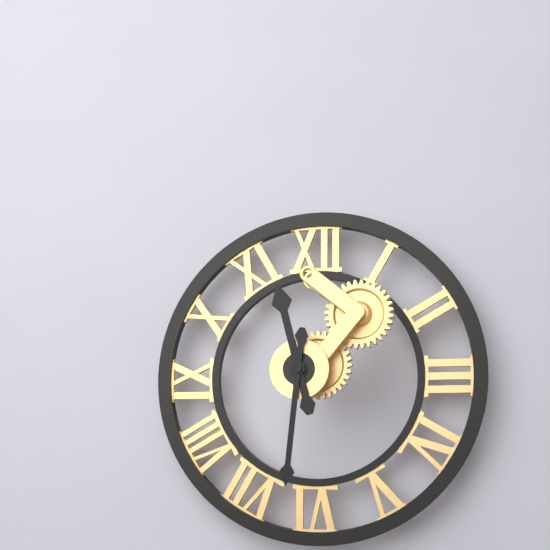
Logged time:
11:31
